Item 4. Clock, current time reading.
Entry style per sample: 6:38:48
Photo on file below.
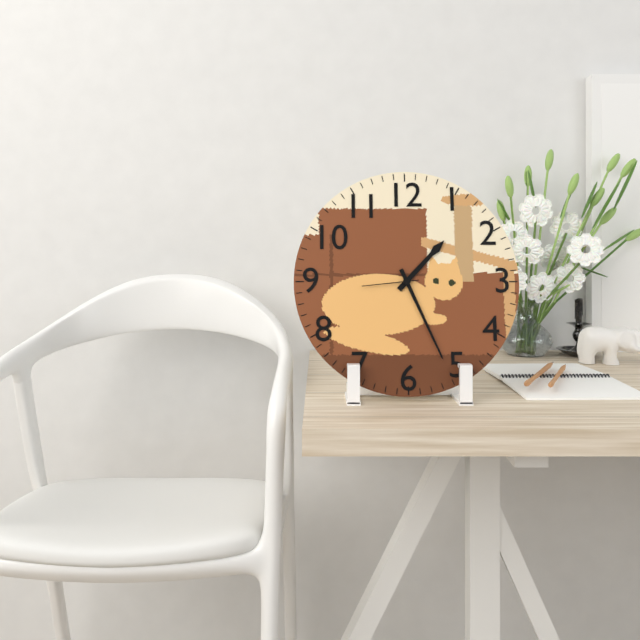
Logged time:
1:26:44
